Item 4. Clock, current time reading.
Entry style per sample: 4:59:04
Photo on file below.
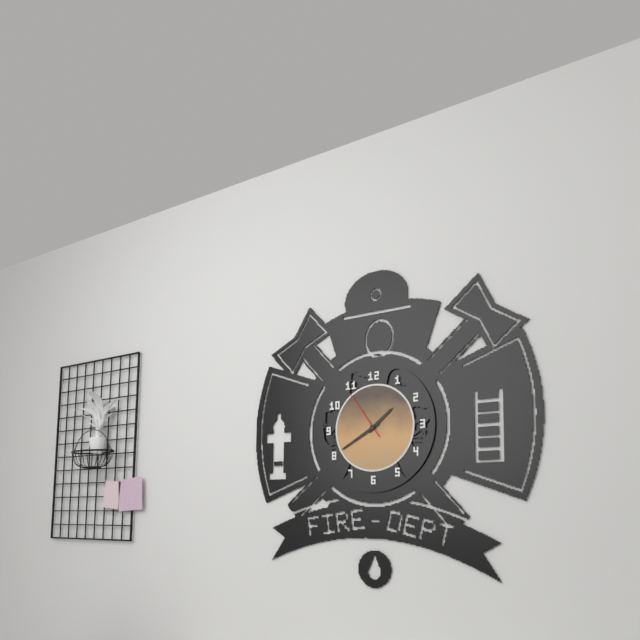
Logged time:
1:40:54
